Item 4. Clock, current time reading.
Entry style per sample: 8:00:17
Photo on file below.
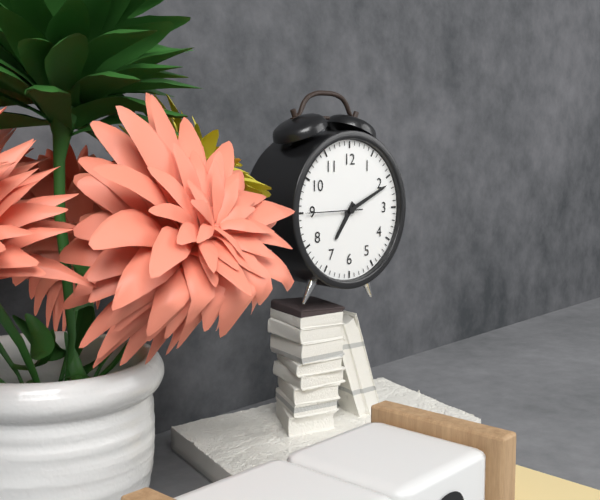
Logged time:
7:11:45
